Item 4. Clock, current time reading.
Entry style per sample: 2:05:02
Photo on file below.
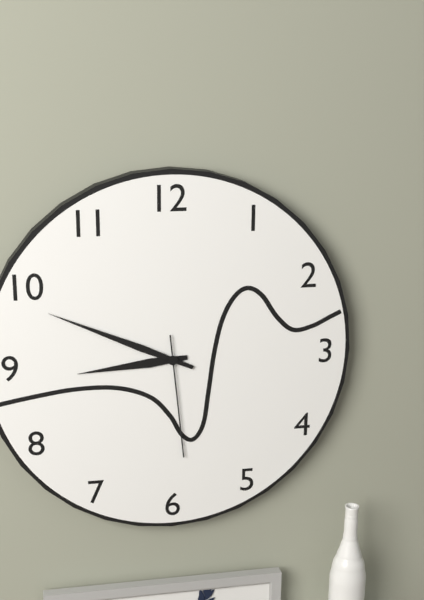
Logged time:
8:49:29
